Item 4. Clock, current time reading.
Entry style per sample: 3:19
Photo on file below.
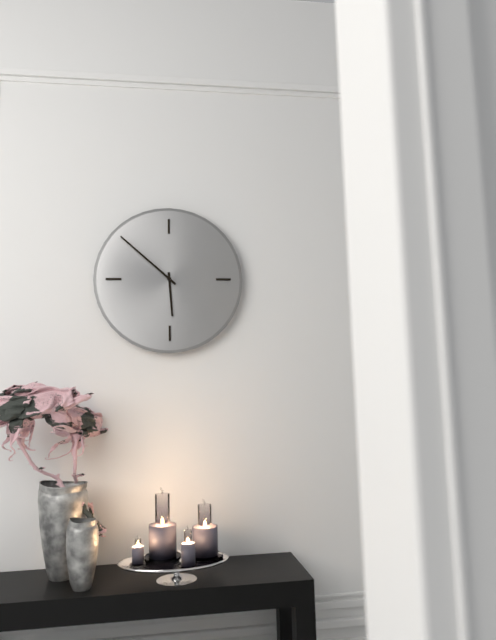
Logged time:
5:52
